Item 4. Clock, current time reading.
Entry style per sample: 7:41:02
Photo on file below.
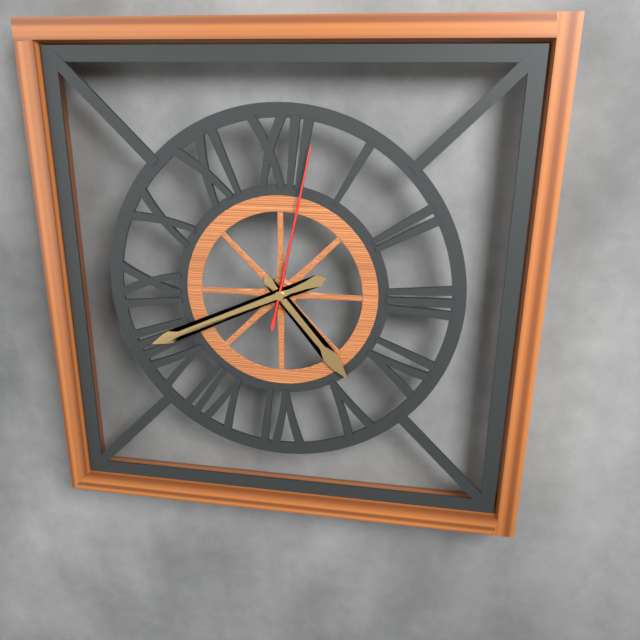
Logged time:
4:41:02
